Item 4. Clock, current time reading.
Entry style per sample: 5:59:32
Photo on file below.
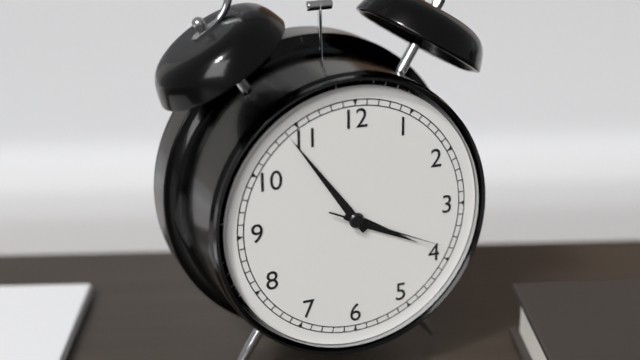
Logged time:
3:54:19
